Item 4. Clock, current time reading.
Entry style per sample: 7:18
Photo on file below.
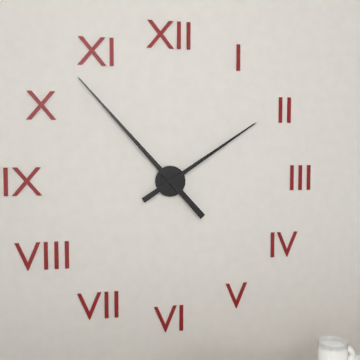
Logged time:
1:53
